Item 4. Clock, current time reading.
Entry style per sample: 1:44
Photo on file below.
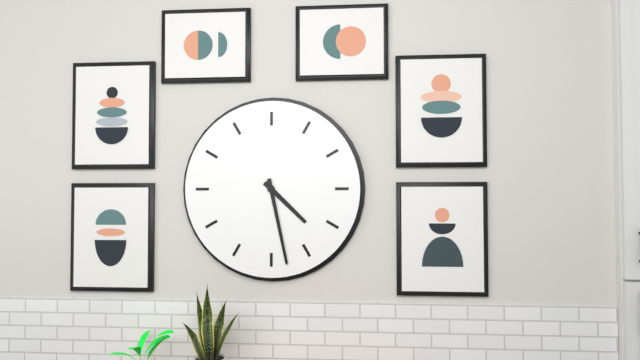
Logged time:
4:28
